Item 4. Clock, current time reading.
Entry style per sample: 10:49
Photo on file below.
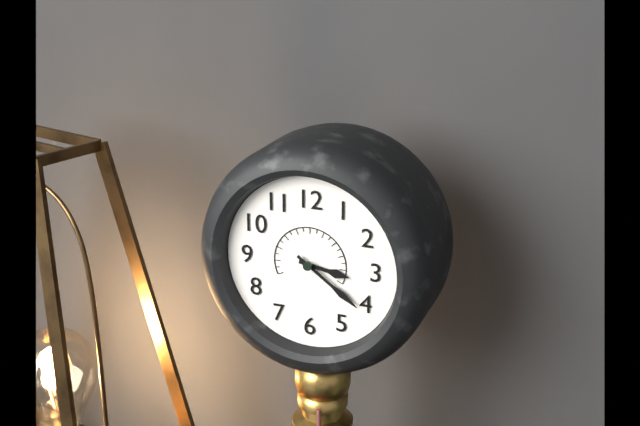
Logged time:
3:21
